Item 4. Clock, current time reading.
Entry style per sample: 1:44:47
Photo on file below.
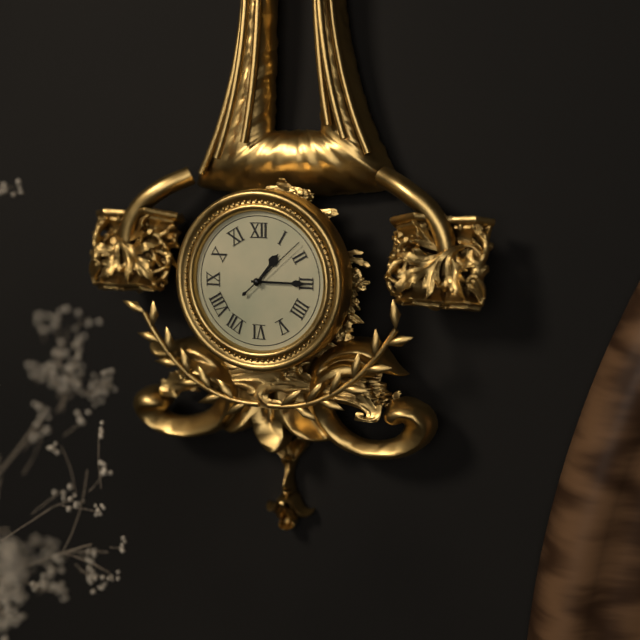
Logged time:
1:15:08
